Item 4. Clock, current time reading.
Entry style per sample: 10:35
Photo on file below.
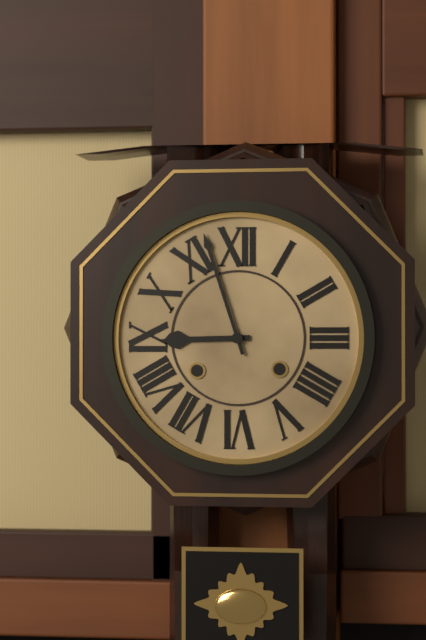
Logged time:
8:57
